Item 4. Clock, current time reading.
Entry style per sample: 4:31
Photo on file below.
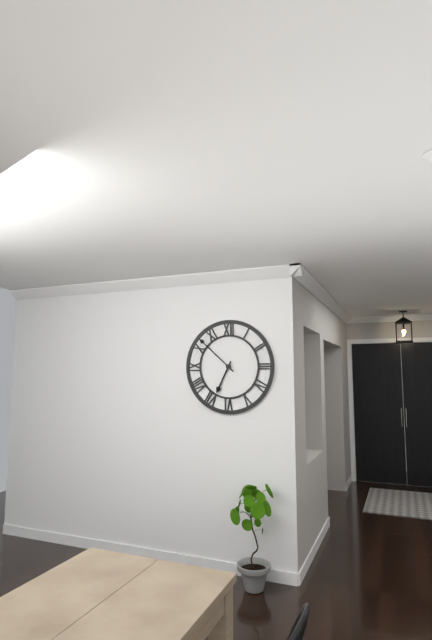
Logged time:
6:52
